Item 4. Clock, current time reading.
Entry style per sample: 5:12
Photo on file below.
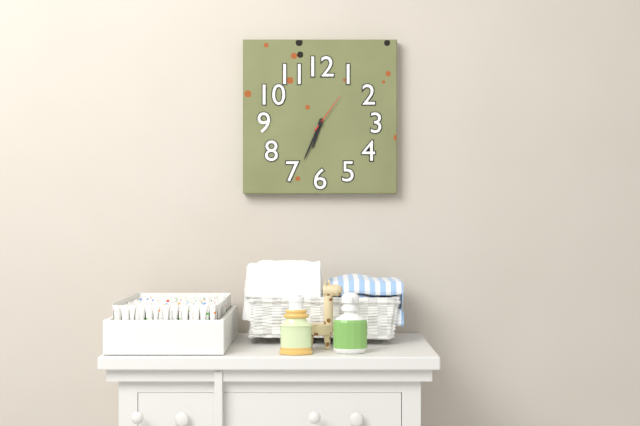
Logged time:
6:34
